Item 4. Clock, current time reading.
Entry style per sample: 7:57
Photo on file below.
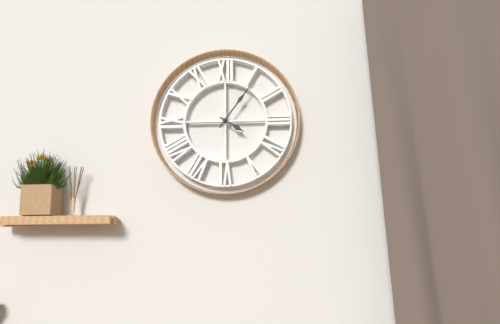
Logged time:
4:06
